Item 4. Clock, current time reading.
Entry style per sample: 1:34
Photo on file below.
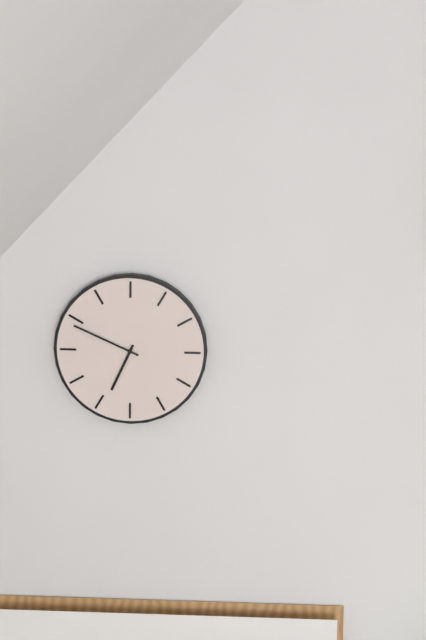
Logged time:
6:49
